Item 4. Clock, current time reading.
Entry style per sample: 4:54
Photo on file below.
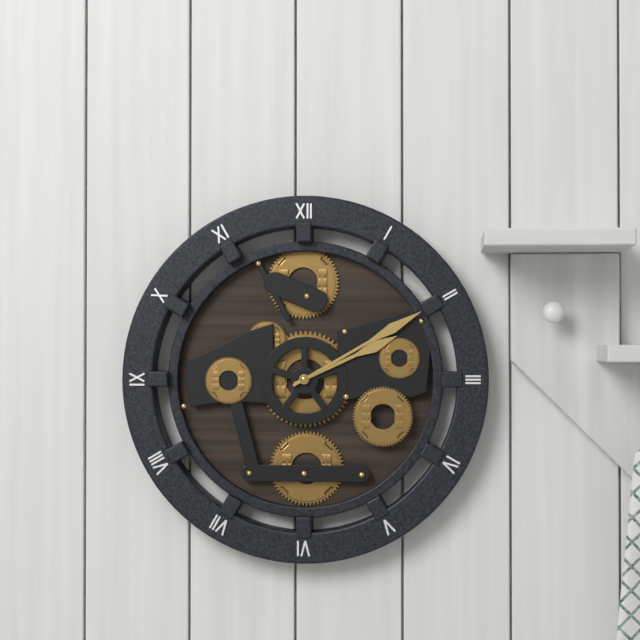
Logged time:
2:10
